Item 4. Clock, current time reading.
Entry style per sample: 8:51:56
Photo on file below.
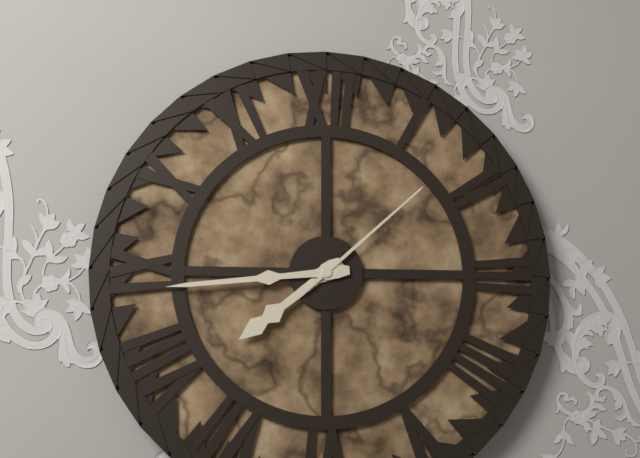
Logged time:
7:44:08
